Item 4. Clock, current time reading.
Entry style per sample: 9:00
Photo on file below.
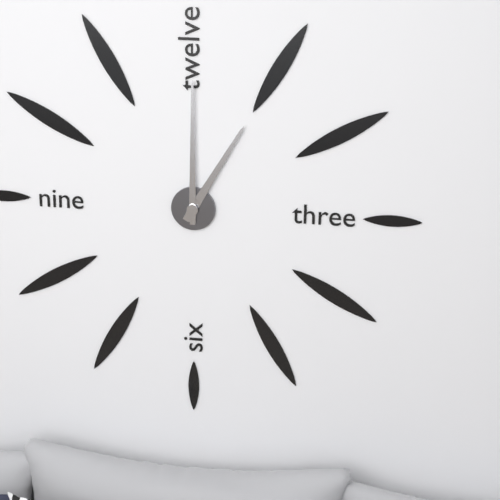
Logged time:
1:00
